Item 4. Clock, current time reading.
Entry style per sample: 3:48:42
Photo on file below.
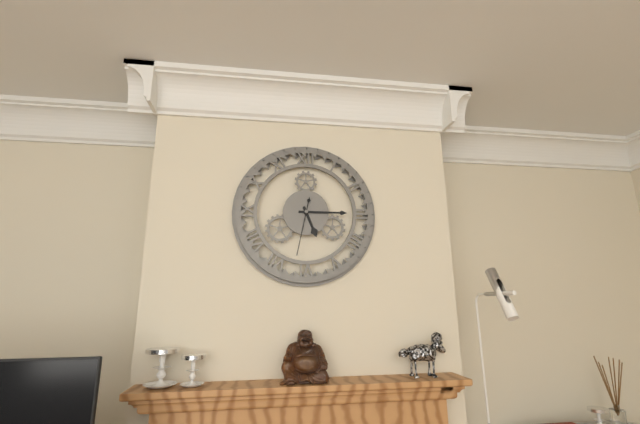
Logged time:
5:15:32
